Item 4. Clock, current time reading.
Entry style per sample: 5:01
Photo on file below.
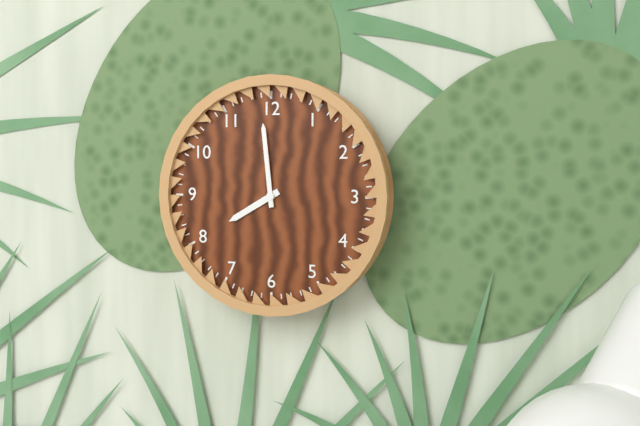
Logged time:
7:59
